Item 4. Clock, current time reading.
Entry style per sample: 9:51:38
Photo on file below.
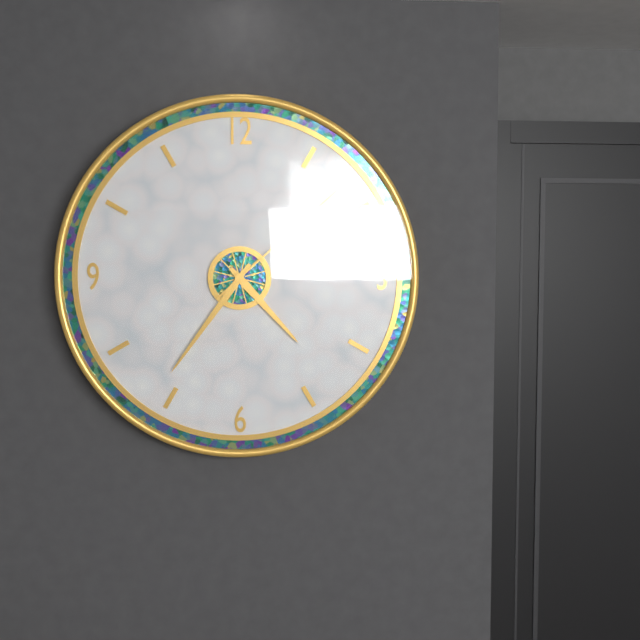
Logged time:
4:36:08
